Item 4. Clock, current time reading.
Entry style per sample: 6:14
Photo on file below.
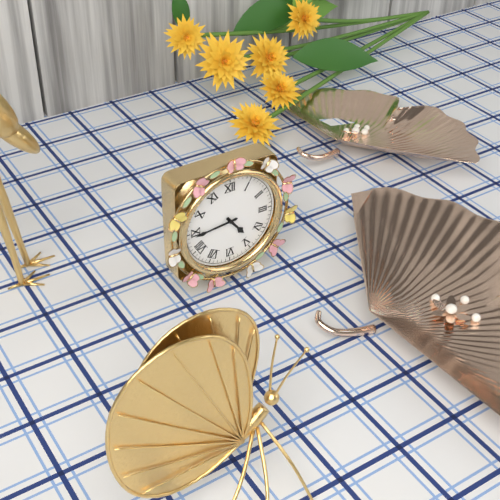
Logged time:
4:44
